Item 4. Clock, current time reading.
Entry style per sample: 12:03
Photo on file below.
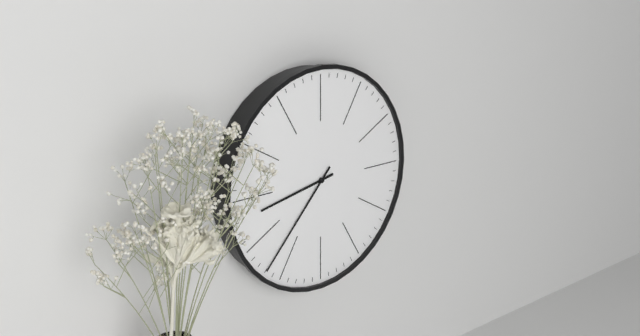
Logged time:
8:37
